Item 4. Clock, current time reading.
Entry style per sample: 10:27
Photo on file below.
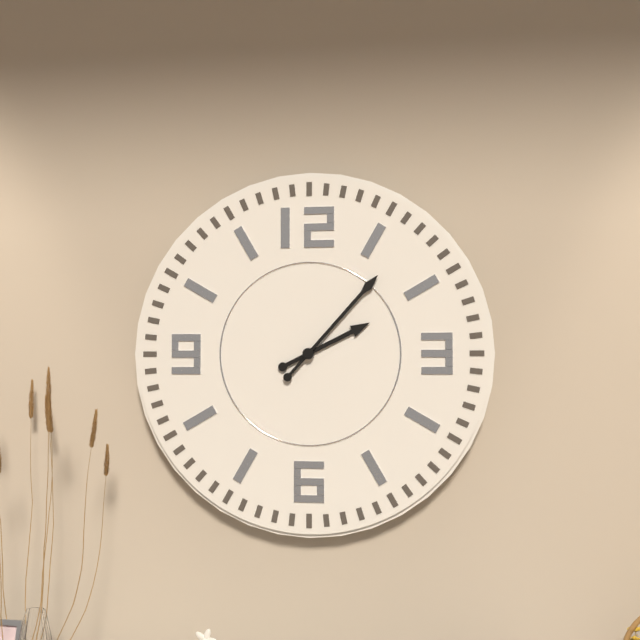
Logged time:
2:07
